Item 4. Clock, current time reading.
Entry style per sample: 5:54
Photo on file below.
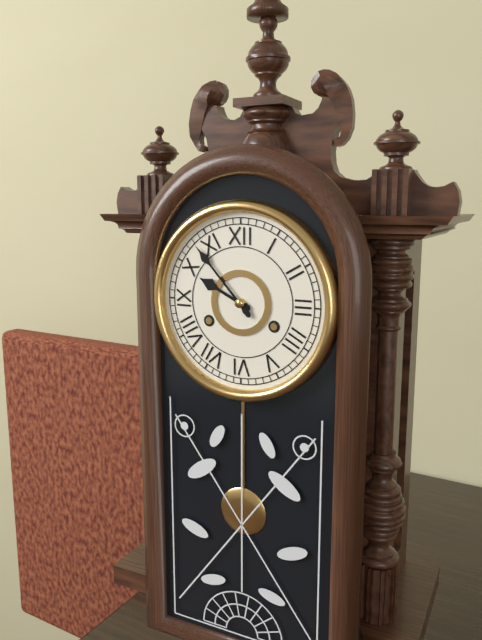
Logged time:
9:53
